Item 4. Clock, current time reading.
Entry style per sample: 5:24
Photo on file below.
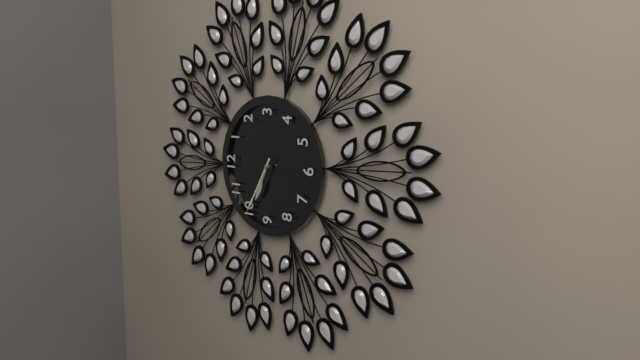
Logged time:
9:50
